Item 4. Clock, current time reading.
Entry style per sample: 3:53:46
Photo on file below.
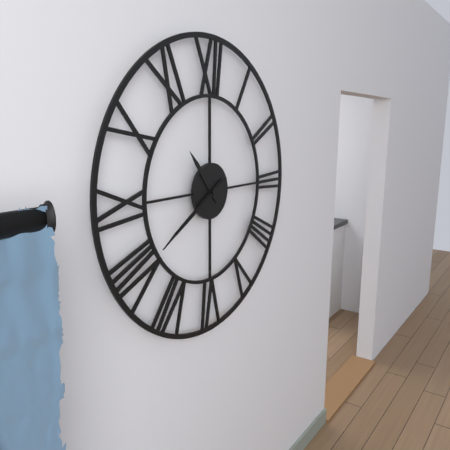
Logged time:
10:40:40
